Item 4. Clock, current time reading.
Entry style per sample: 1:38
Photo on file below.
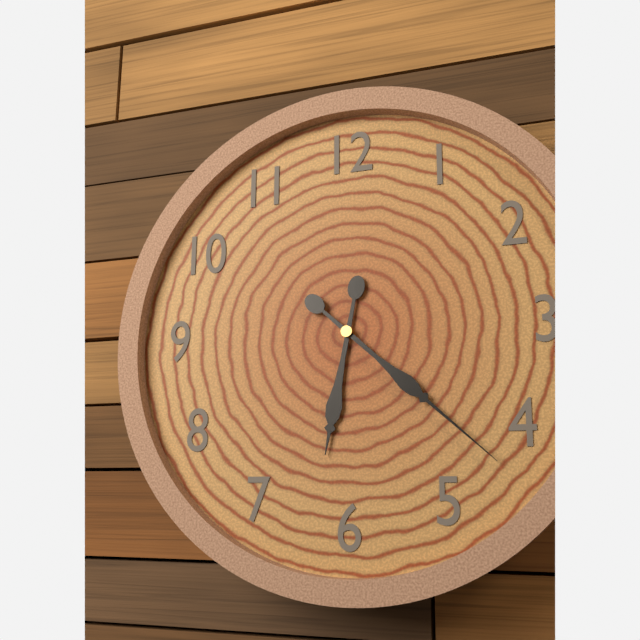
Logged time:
6:22
